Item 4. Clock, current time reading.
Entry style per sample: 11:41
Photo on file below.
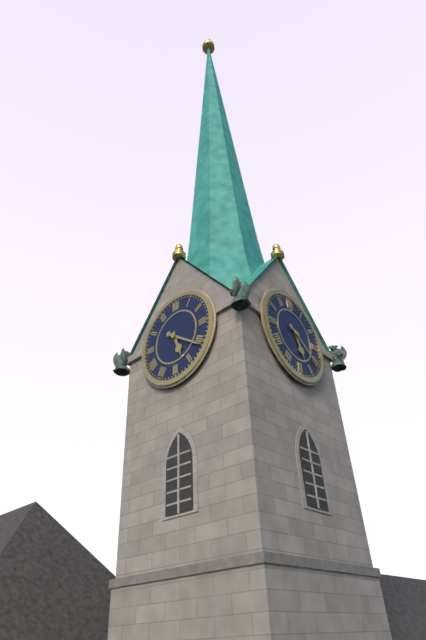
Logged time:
5:21
